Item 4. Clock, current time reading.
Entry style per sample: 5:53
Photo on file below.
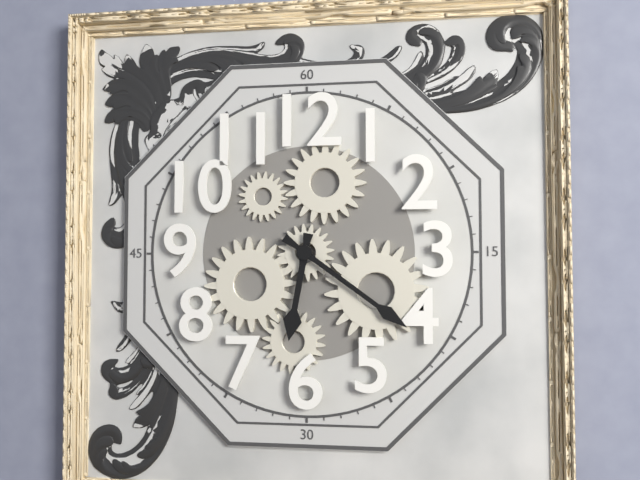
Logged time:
6:21
